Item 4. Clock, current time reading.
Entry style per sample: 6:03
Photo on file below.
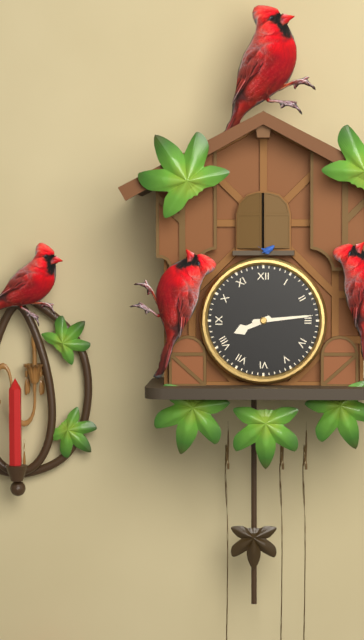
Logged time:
8:14
